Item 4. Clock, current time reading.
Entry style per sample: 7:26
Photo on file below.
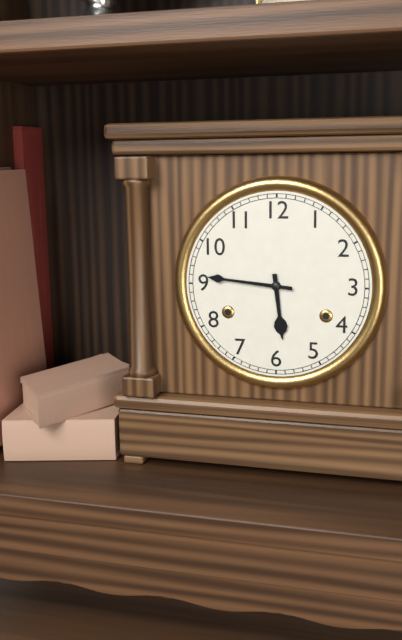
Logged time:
5:46
